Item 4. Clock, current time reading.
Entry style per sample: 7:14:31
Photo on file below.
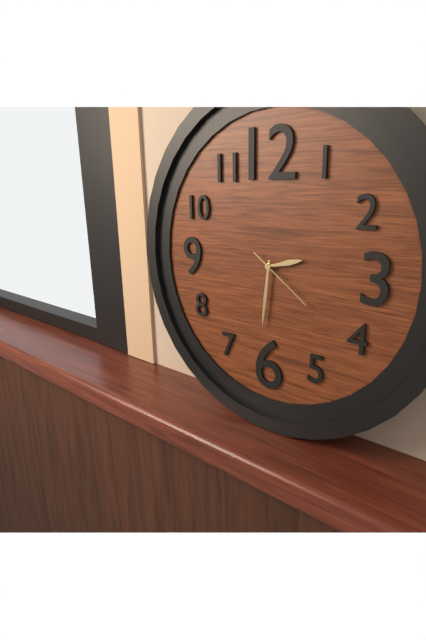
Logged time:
2:31:21
